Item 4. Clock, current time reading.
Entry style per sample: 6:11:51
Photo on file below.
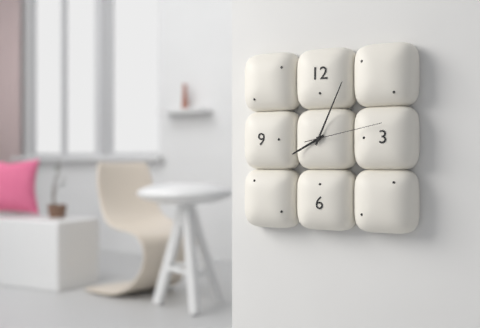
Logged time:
8:04:13
